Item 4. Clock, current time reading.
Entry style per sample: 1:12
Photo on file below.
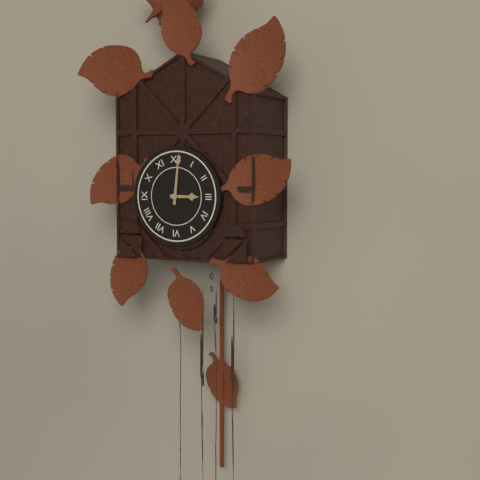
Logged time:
3:01
